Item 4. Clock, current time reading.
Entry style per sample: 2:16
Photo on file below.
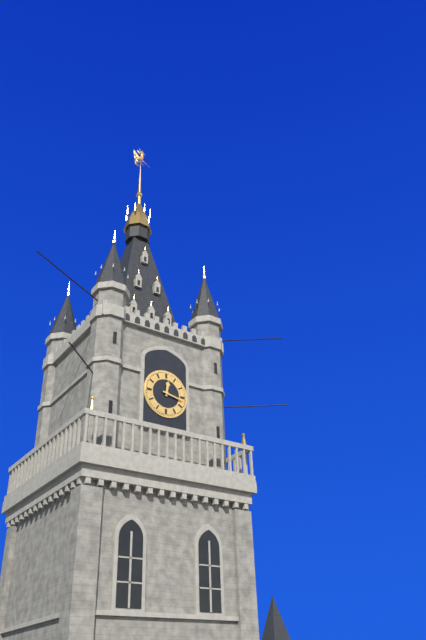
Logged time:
12:17
